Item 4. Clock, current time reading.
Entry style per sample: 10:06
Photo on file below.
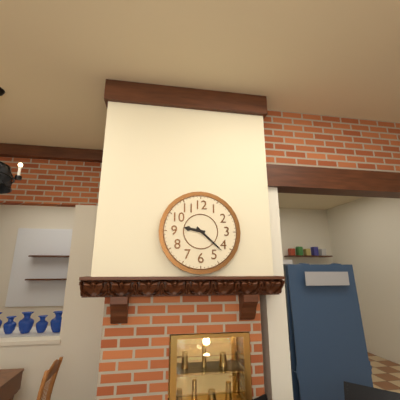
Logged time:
9:22
